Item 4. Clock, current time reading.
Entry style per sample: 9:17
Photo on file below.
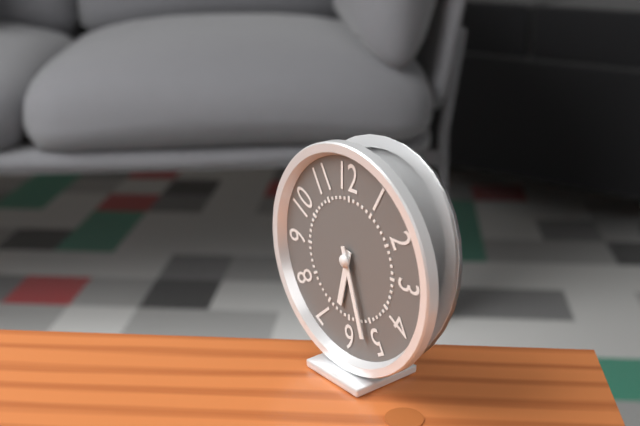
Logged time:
6:27
